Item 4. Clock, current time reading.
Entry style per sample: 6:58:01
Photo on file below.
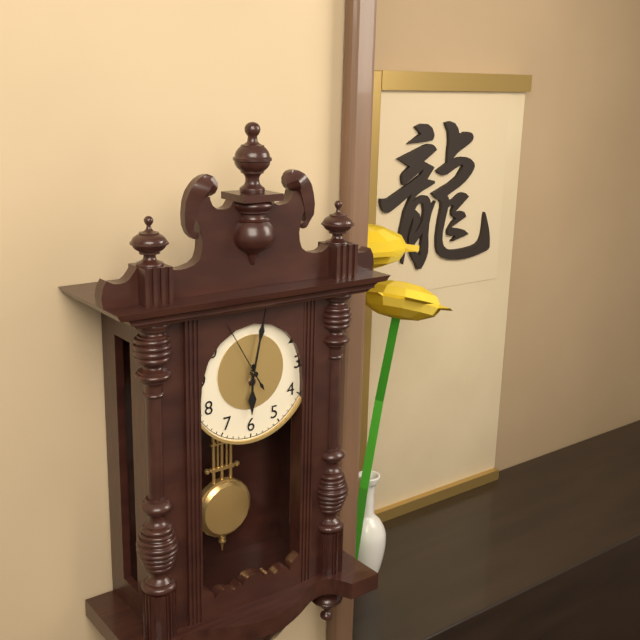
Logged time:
6:02:55
